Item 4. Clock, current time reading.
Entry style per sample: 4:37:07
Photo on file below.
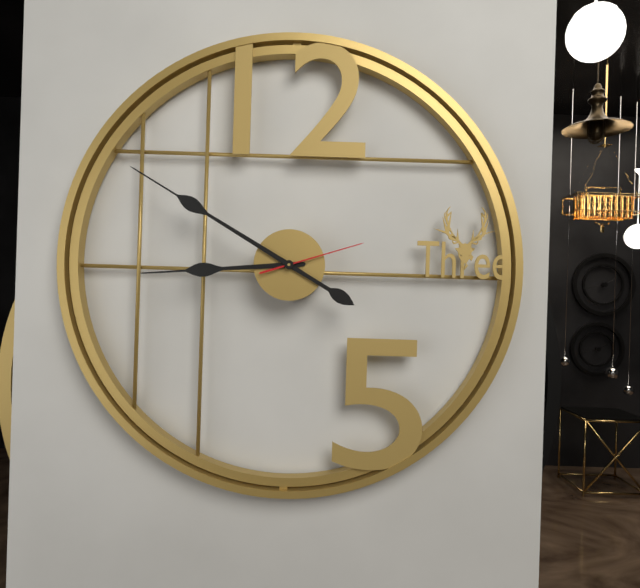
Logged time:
8:50:12
